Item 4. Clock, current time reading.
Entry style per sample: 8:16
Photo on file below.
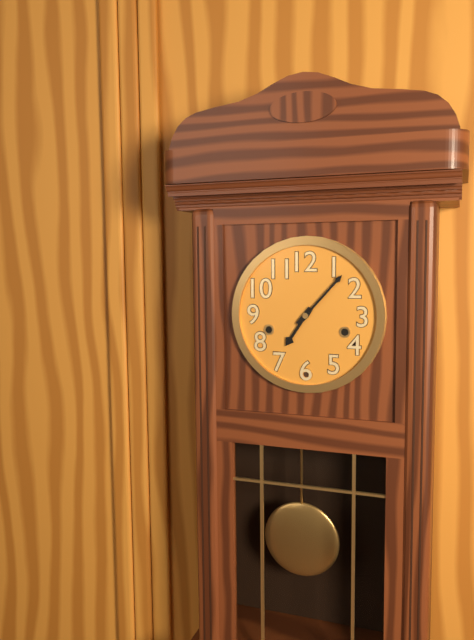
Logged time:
7:07
